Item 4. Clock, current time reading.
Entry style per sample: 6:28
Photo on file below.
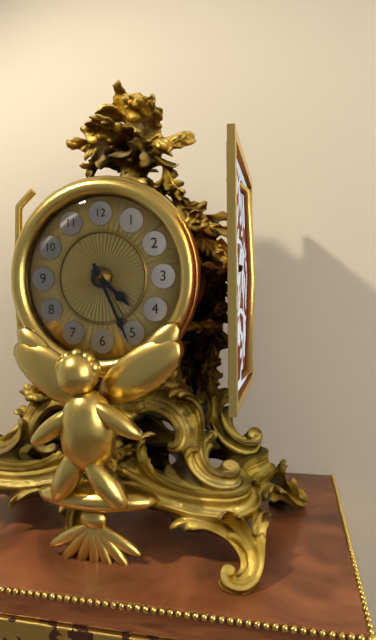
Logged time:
4:26
